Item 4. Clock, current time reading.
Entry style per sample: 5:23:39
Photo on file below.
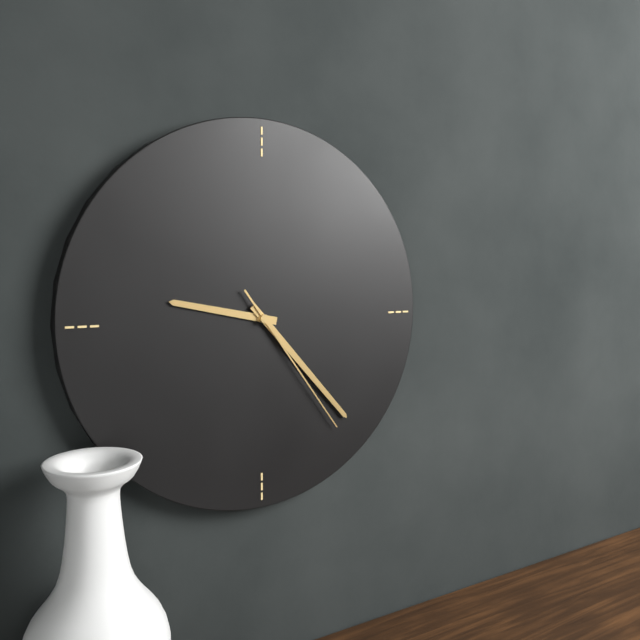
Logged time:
9:23:24
